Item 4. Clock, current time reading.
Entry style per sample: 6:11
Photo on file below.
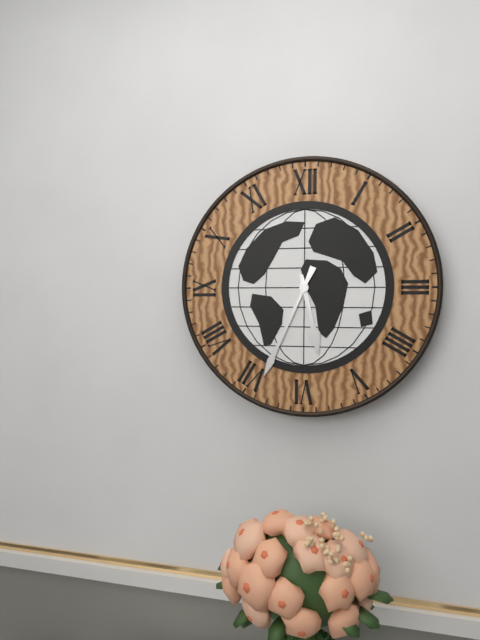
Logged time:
5:34
